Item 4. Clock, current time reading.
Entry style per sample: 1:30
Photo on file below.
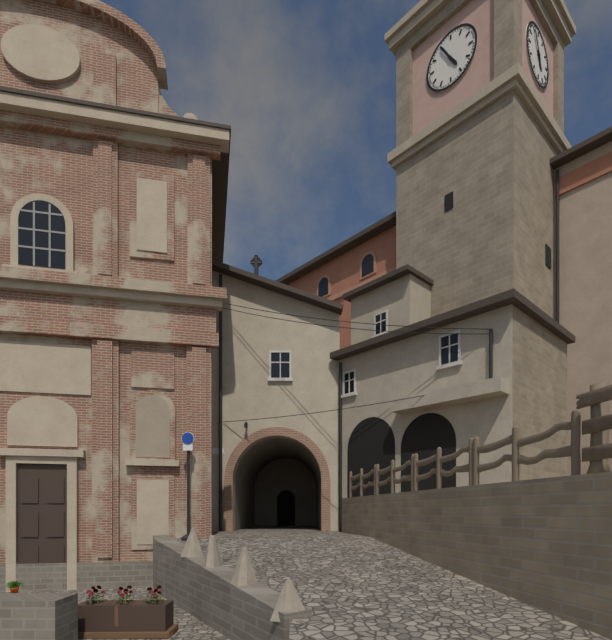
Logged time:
4:55
